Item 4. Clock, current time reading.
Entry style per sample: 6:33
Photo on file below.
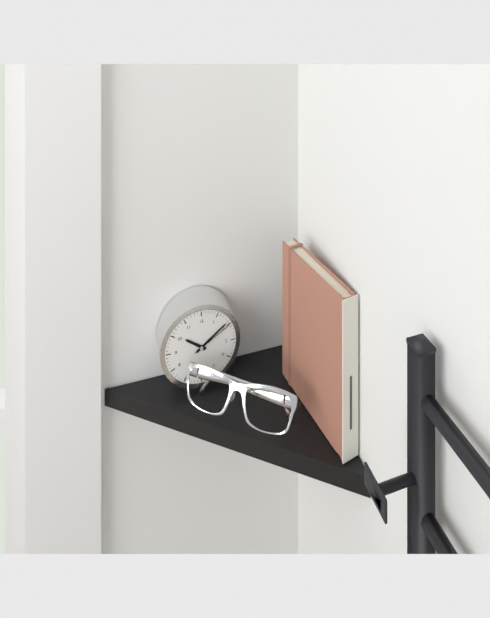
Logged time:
10:09
